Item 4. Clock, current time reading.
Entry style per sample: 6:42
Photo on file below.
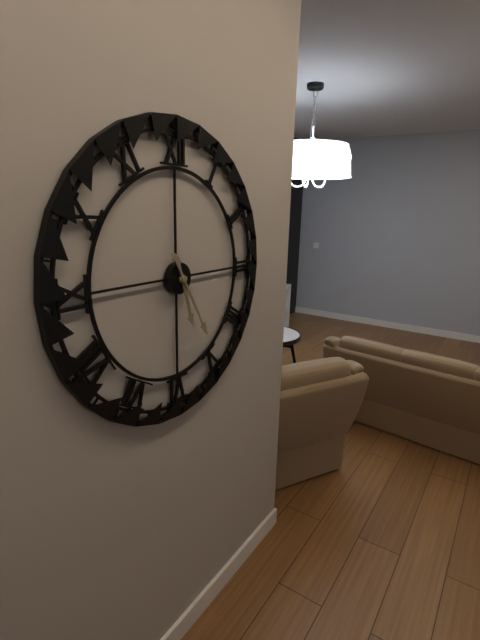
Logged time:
5:25
